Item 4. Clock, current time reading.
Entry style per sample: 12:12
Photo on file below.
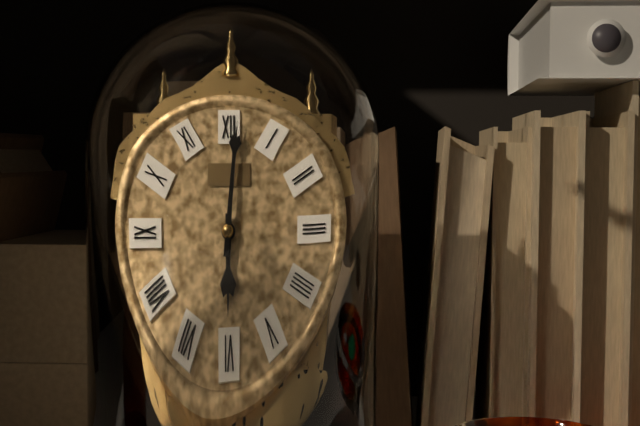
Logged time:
6:01
